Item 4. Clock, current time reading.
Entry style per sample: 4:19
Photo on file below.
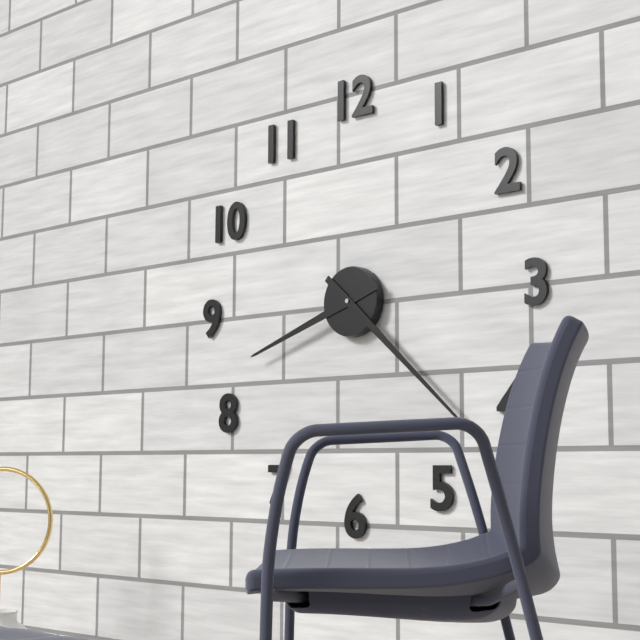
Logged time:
8:22
